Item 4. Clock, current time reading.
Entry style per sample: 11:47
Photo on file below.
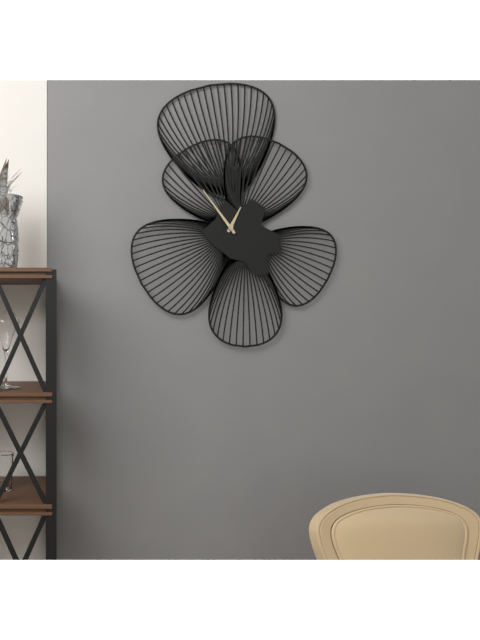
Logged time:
12:54
